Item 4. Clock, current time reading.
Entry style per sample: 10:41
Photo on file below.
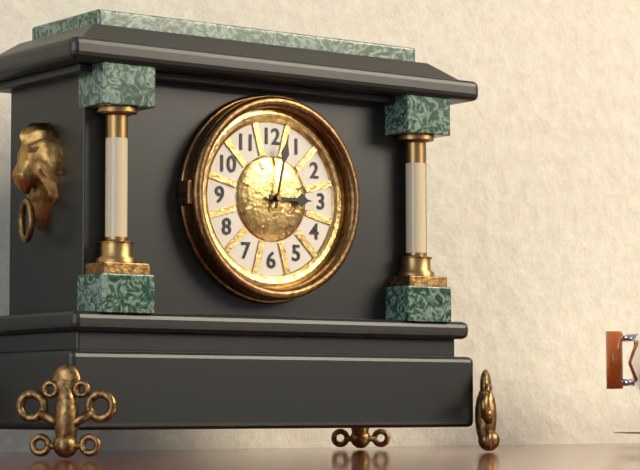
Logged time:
3:02
